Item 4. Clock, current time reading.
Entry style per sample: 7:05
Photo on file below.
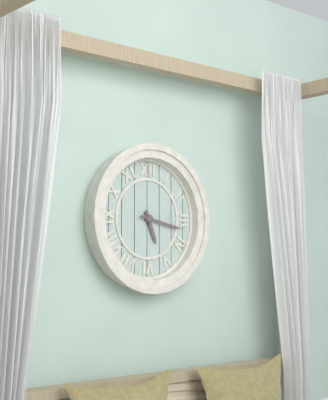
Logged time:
5:17
